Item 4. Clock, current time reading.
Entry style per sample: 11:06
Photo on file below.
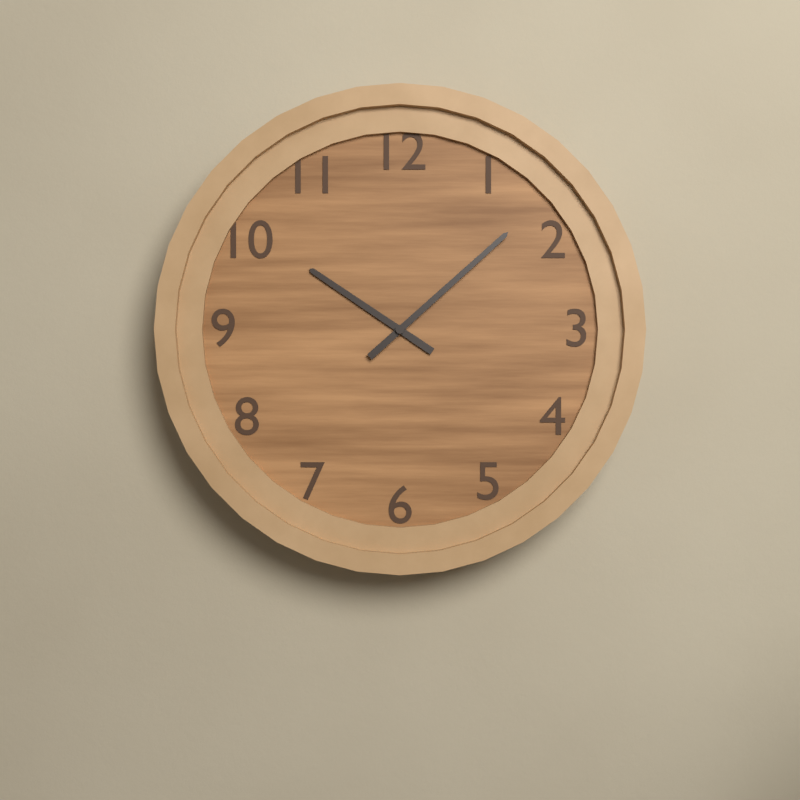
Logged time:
10:08
